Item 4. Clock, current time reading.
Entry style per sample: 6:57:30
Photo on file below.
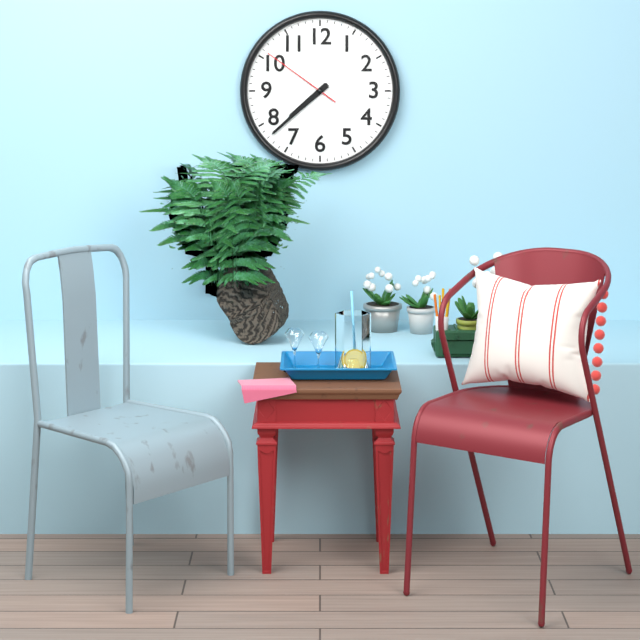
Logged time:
7:38:51
